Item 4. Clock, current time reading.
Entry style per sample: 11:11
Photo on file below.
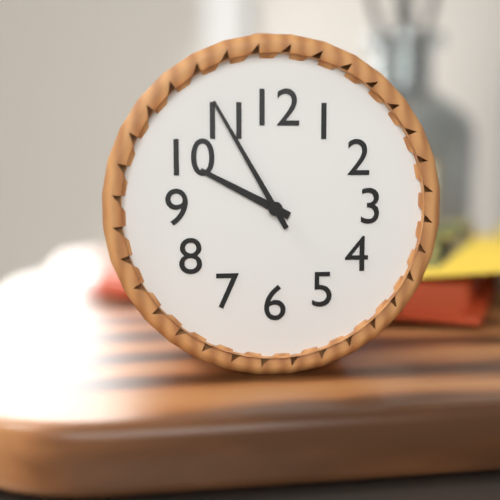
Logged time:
9:55
